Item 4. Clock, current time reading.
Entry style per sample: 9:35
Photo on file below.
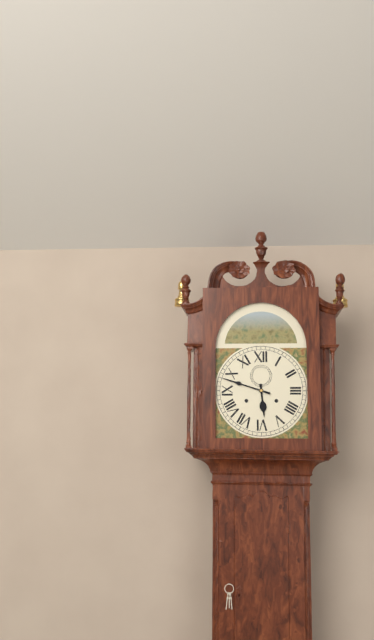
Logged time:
5:48
